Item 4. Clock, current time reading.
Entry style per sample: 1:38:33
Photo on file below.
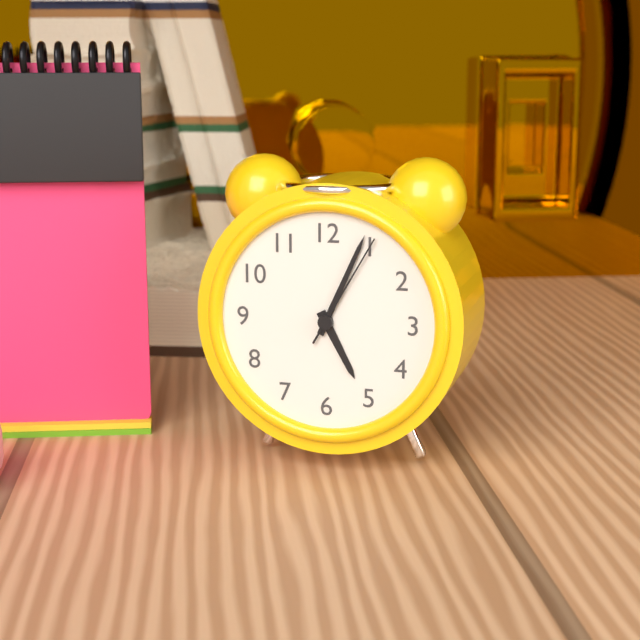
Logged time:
5:04:05
